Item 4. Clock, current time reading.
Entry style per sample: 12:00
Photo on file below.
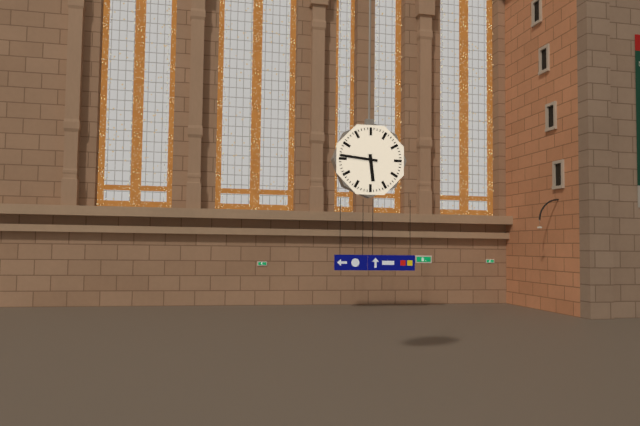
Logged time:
5:46
